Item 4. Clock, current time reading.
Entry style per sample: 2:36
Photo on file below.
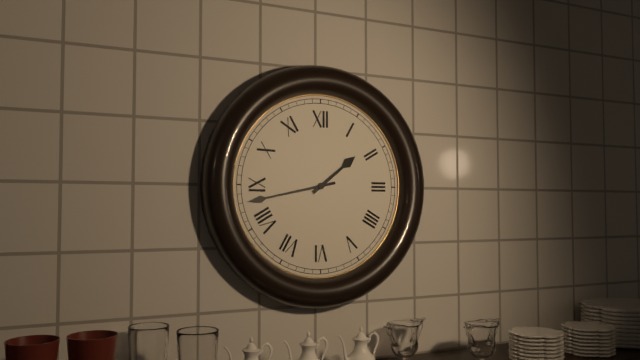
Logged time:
1:43
